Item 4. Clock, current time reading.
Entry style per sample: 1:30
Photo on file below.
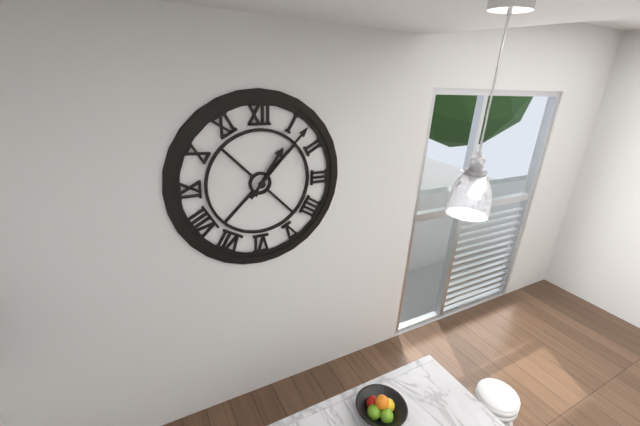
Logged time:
1:07
